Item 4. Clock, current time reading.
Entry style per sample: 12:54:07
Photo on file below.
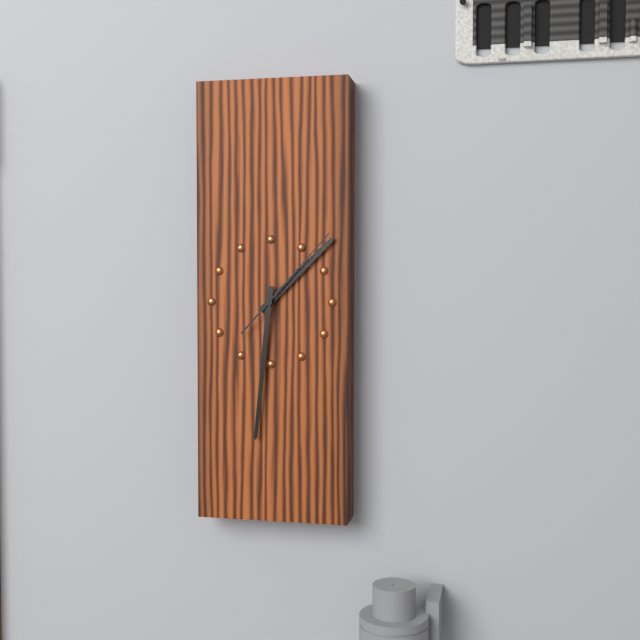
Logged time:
1:31:07
